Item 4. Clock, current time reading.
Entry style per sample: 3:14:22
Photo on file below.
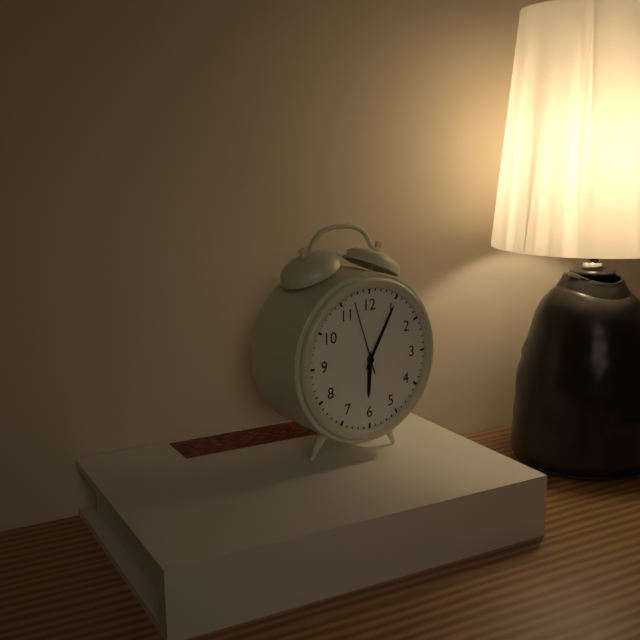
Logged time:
6:05:57
